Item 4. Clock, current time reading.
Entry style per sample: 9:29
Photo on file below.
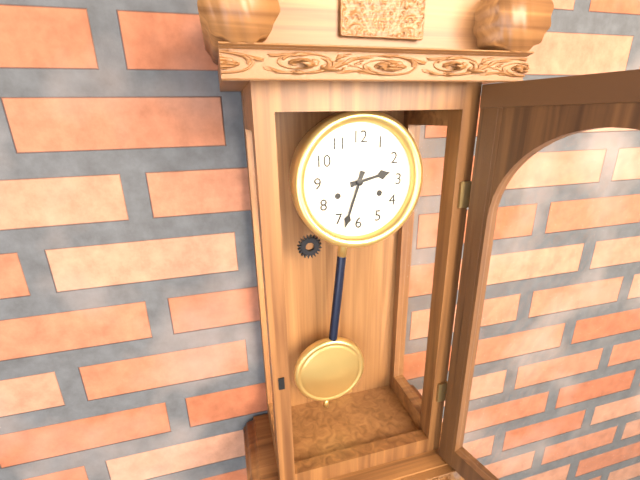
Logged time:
2:33
